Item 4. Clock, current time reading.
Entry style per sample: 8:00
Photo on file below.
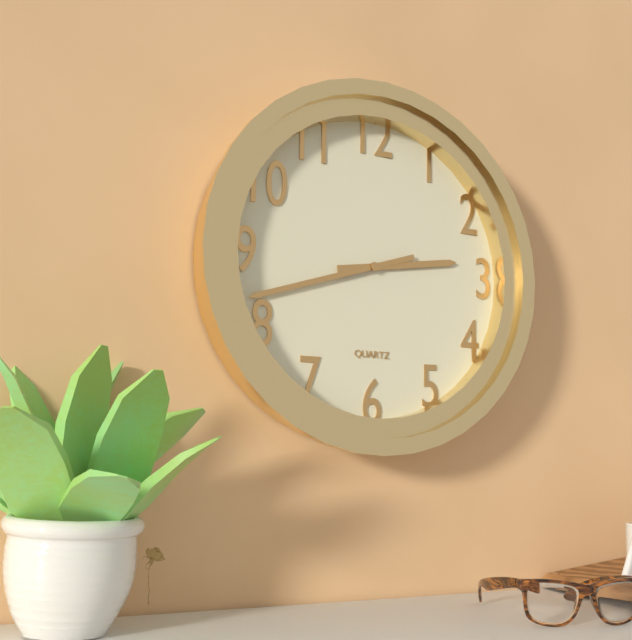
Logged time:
2:42
